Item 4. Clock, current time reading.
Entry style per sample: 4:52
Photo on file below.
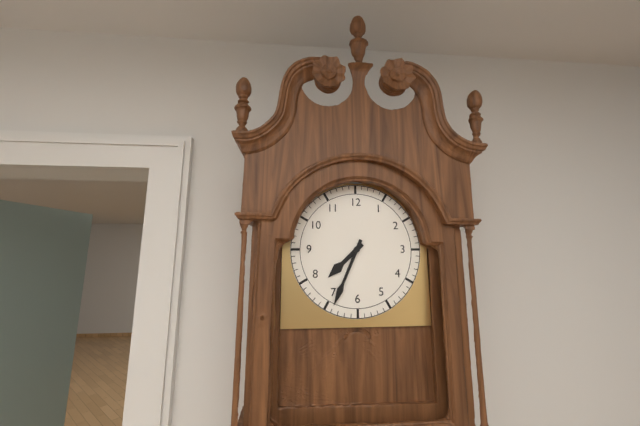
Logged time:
7:34
